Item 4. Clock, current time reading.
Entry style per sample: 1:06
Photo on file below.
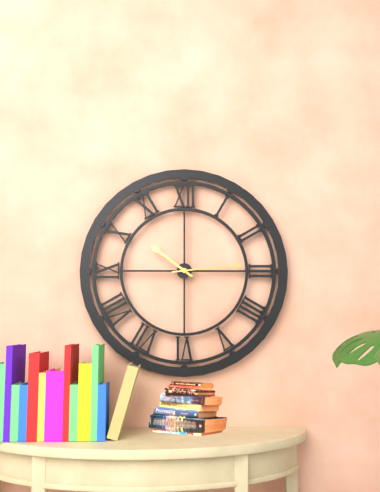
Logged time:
10:14
